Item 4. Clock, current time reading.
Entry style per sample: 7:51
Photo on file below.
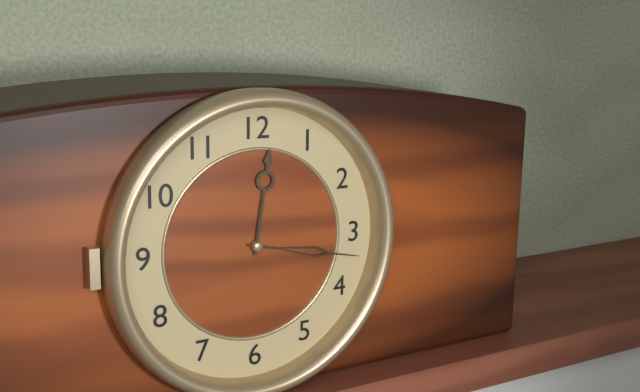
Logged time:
12:17
